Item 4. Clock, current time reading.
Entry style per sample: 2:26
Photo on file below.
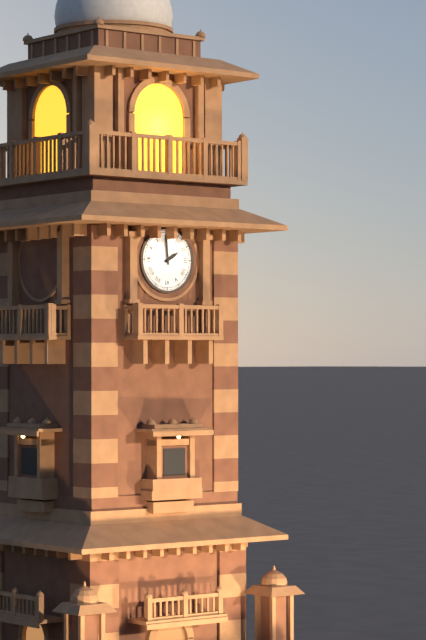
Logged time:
1:59
